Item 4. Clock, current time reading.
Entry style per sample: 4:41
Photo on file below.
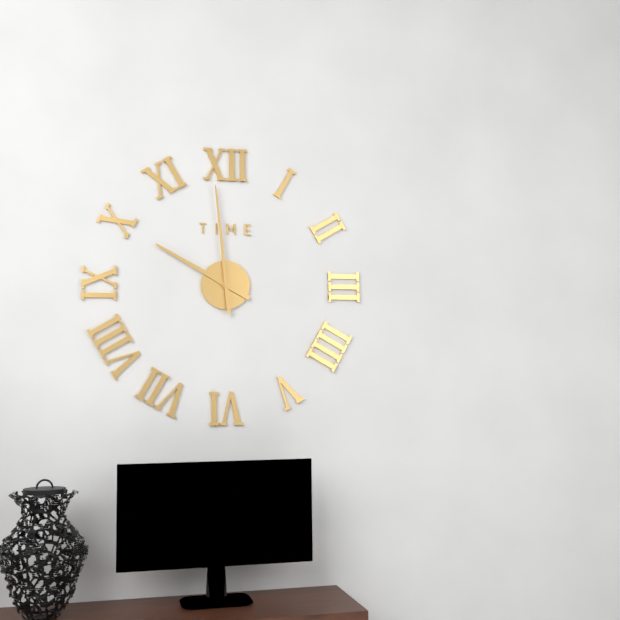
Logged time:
9:59
